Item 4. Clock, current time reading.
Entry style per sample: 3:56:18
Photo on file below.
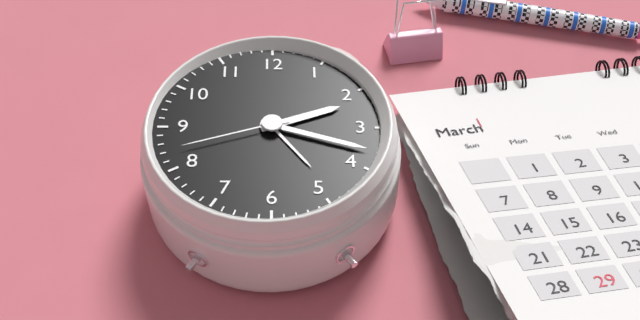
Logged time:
2:18:42
